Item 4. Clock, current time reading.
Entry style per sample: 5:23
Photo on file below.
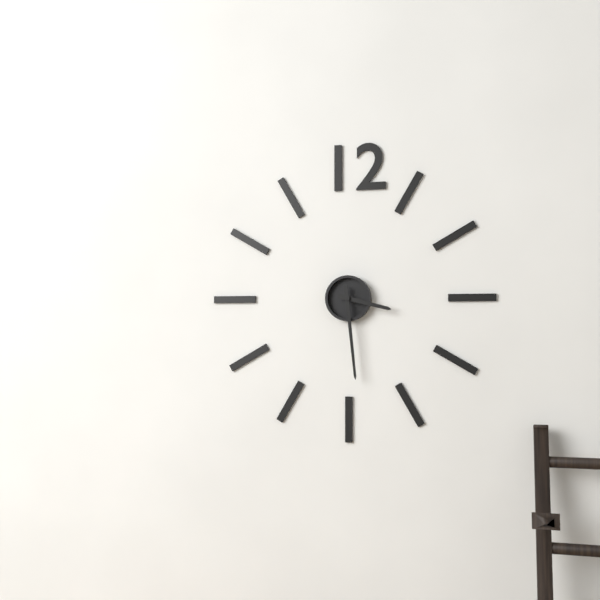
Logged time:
3:29
